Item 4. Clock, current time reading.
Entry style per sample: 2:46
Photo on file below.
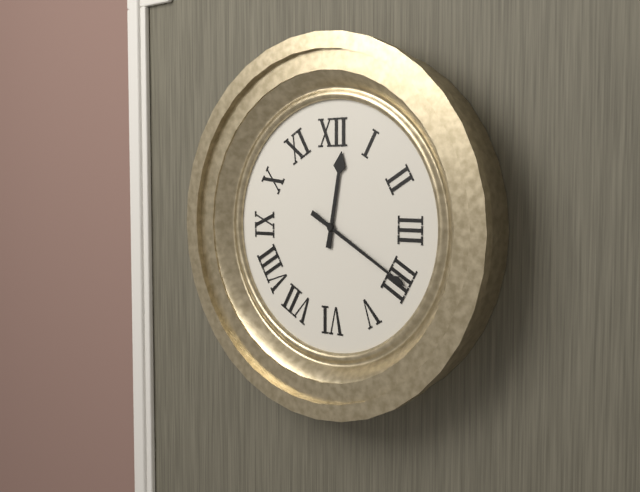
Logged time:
12:20
